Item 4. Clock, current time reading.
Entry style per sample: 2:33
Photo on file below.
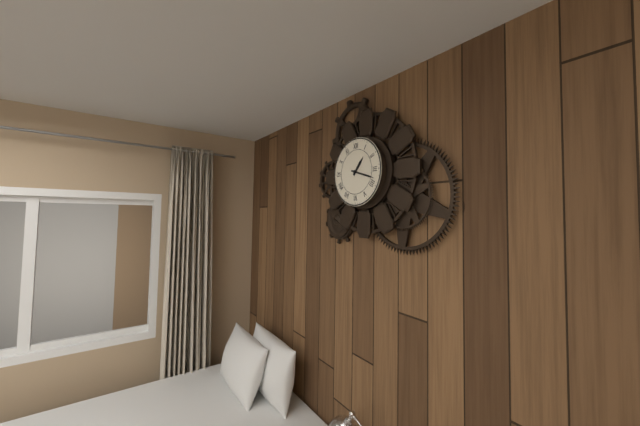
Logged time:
1:18
